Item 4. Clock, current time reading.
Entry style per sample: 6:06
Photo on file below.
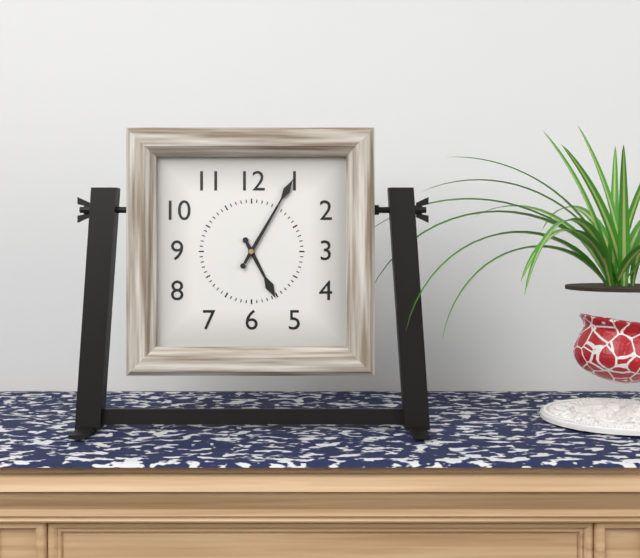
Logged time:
5:05
